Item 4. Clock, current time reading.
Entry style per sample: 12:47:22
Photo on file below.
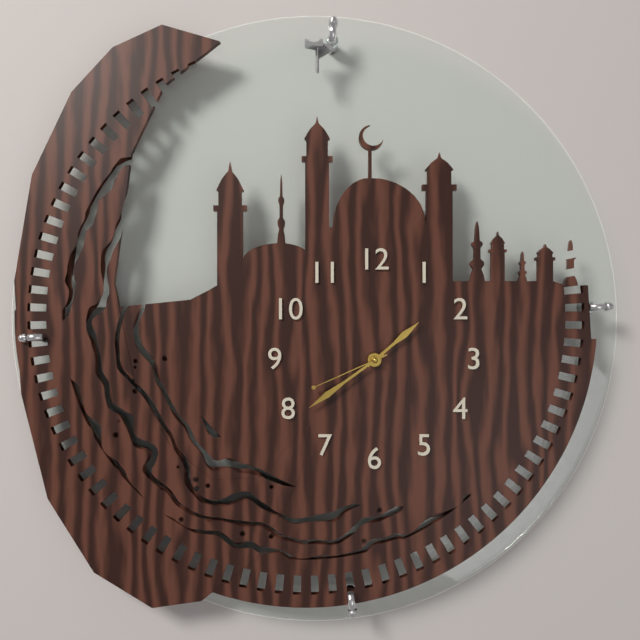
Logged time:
1:39:41
